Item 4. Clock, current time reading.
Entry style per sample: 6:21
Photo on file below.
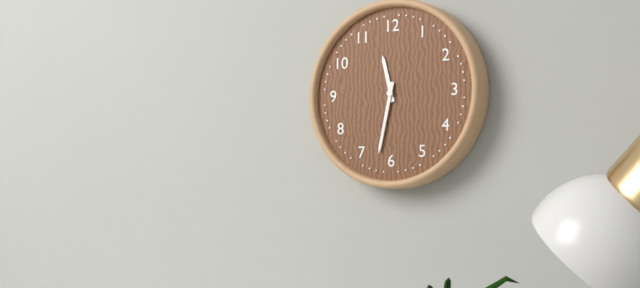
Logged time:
11:32
